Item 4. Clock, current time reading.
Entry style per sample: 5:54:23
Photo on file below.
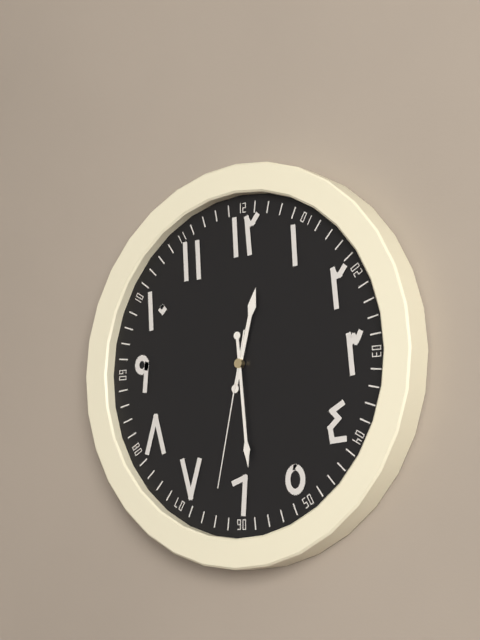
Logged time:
12:29:32
